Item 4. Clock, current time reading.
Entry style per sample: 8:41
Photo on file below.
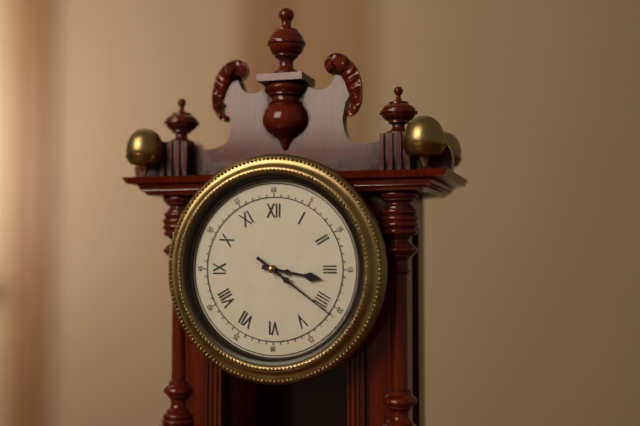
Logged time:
3:21
